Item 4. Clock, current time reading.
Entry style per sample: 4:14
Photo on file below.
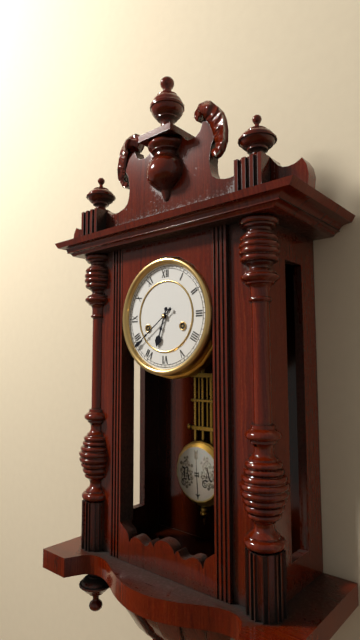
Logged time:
6:39
